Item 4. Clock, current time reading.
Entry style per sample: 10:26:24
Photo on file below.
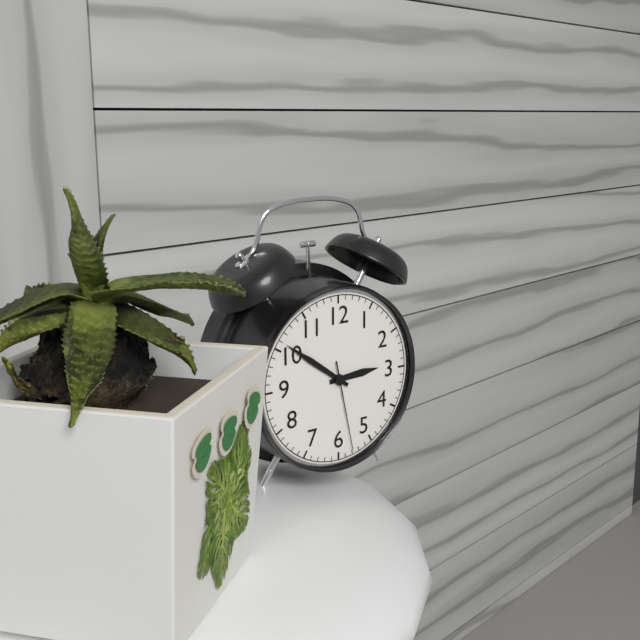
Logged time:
2:51:28
